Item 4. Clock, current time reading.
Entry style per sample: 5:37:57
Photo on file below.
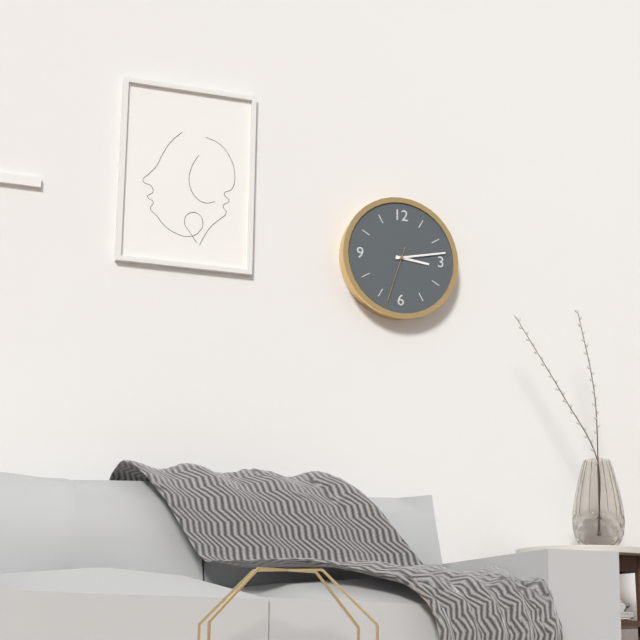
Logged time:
3:13:33
